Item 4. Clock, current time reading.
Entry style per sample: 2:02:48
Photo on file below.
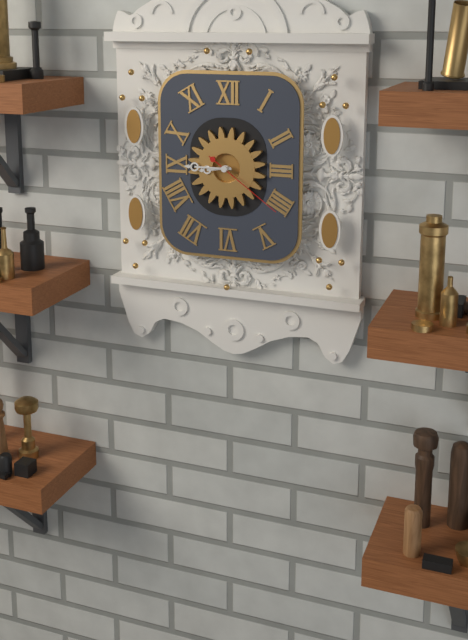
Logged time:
8:45:21
